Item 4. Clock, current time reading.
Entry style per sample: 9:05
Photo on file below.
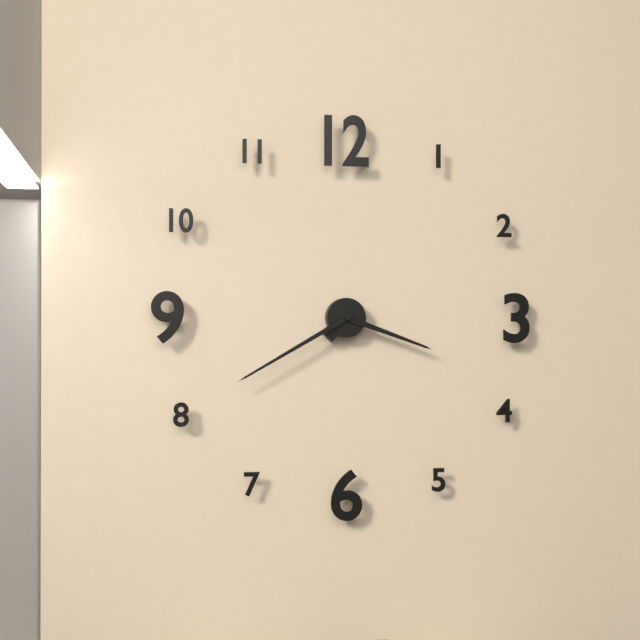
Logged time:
3:40
